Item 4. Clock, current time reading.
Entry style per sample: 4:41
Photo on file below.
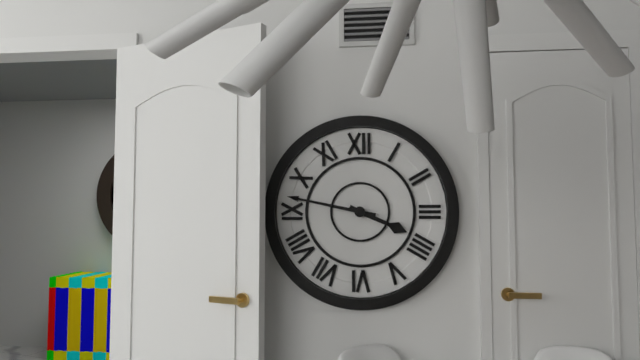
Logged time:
3:47
